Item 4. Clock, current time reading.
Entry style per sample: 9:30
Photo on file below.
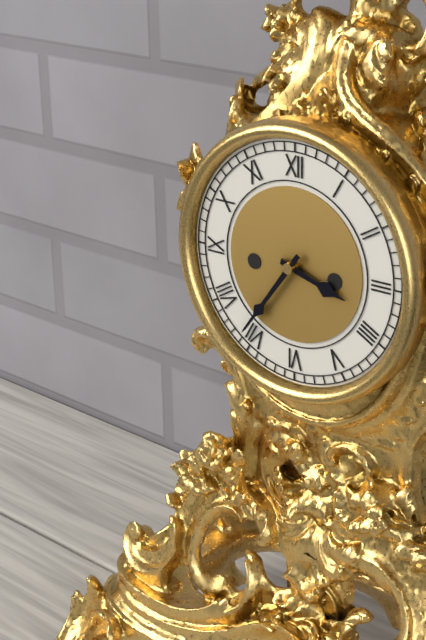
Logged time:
3:36
